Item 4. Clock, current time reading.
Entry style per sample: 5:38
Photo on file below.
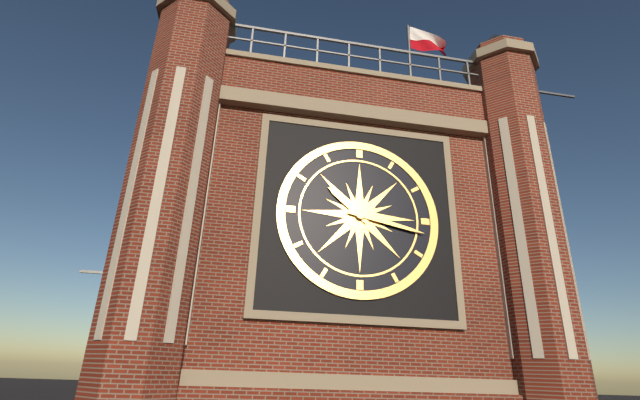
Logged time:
10:17
